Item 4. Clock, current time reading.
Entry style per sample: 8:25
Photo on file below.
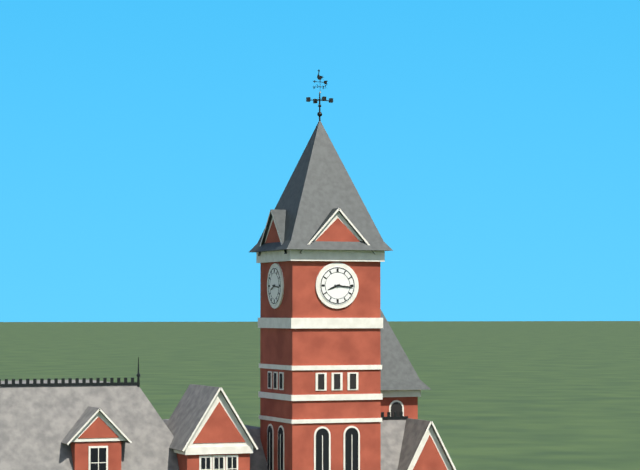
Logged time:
8:16
